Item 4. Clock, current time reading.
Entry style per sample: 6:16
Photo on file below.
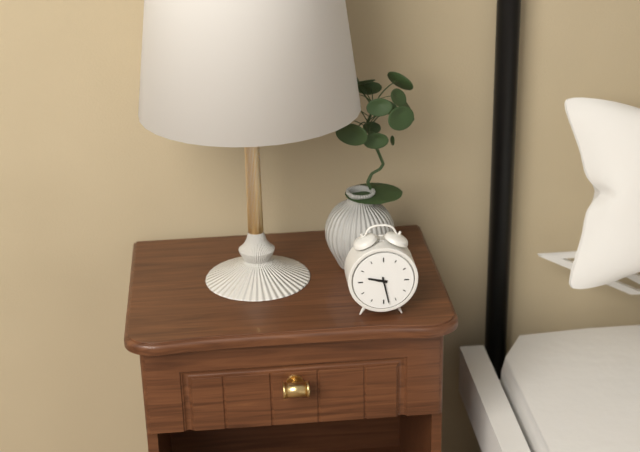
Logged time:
9:28
